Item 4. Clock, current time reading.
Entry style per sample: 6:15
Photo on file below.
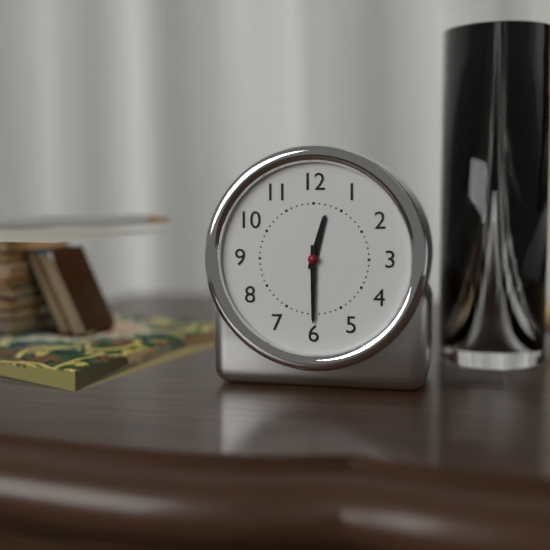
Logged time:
12:30
